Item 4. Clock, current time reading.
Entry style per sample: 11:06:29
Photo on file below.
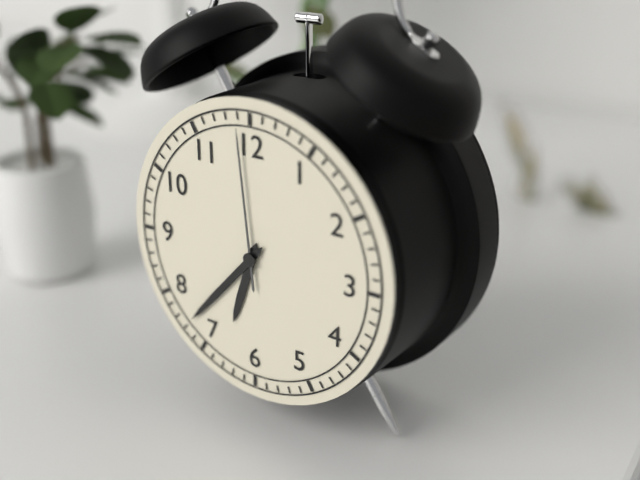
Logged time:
6:37:59
